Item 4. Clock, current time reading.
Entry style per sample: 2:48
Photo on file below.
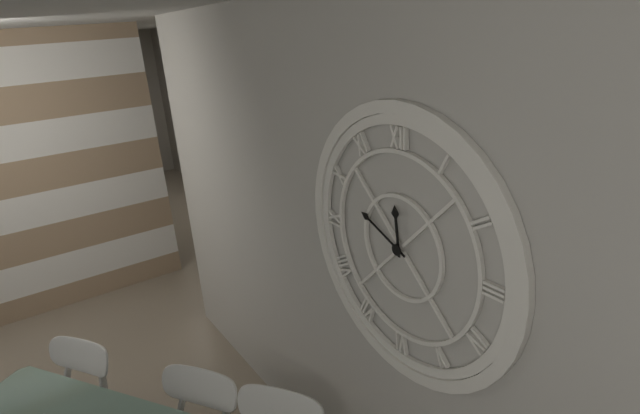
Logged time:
11:49
